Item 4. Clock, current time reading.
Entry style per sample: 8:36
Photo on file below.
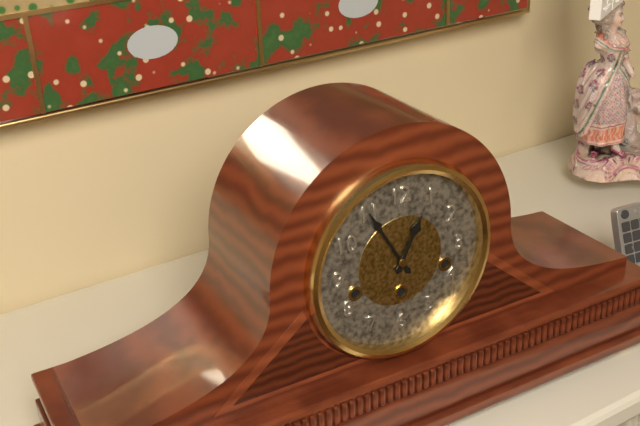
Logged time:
12:55
